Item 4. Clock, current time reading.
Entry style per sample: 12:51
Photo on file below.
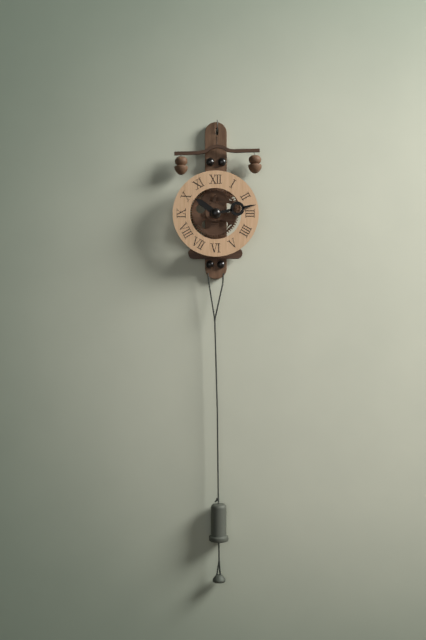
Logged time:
10:13
